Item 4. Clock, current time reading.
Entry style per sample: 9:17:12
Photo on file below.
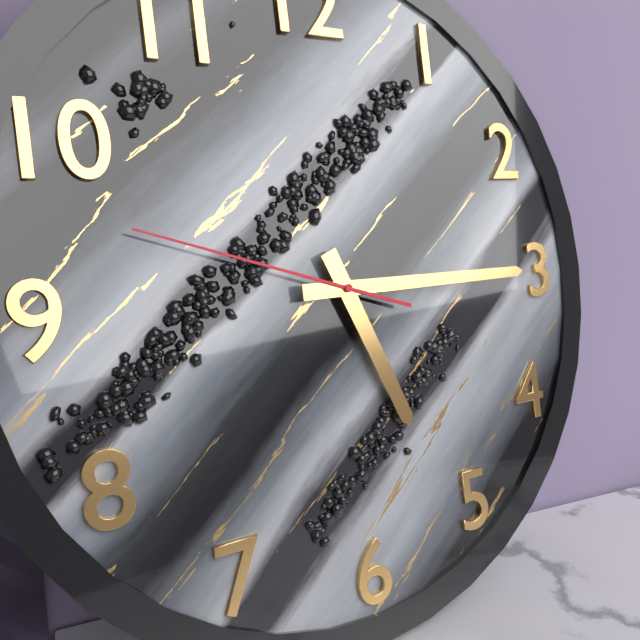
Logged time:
5:15:48
